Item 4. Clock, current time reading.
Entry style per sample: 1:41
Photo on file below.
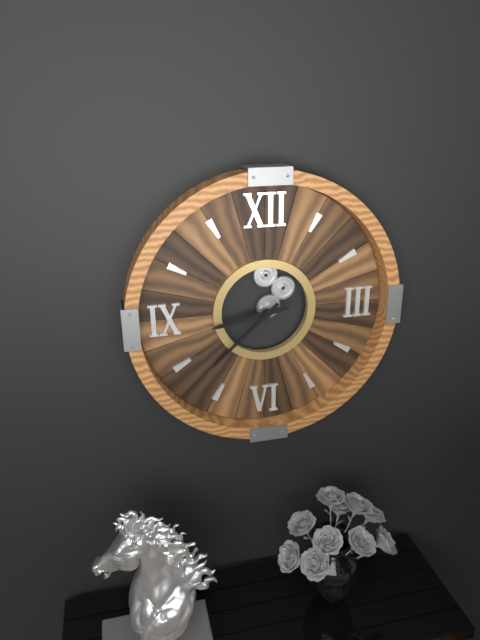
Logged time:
8:38
